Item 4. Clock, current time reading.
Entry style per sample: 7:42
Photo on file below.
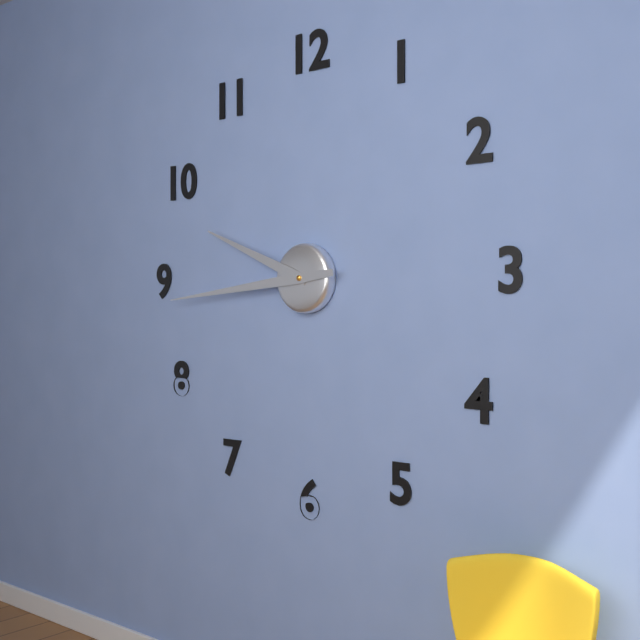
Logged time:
9:44
